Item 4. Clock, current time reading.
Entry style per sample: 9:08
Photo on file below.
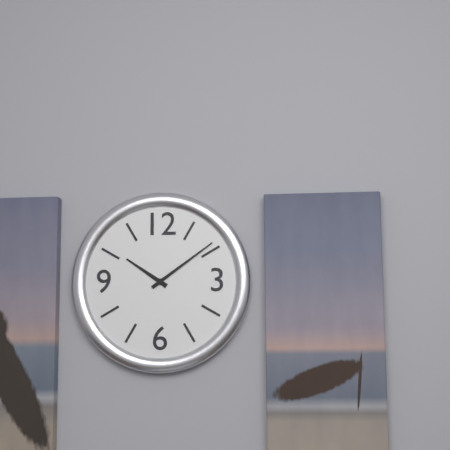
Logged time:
10:09
